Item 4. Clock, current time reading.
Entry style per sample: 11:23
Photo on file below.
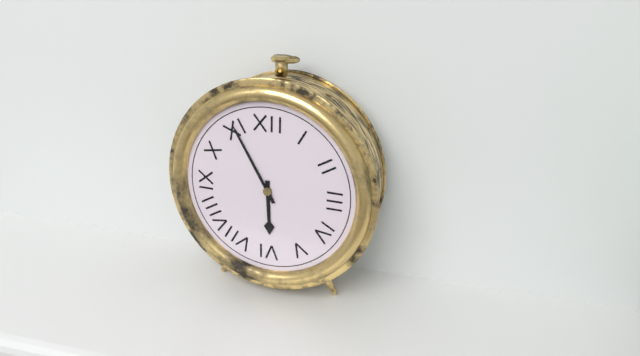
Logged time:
5:55
